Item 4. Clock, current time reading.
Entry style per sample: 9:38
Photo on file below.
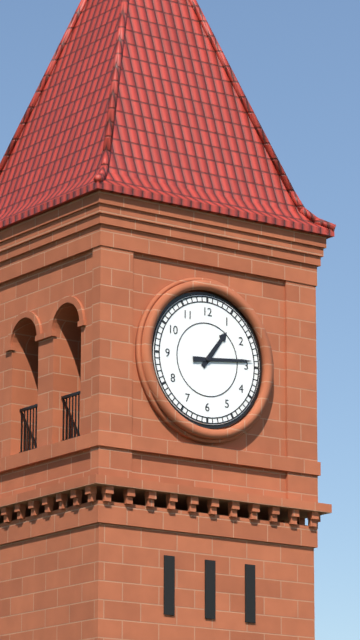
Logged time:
1:14
